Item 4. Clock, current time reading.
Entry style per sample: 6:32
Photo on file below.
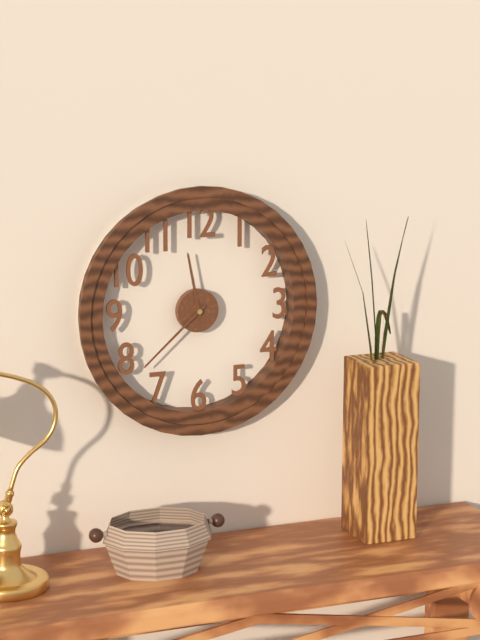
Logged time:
11:38
